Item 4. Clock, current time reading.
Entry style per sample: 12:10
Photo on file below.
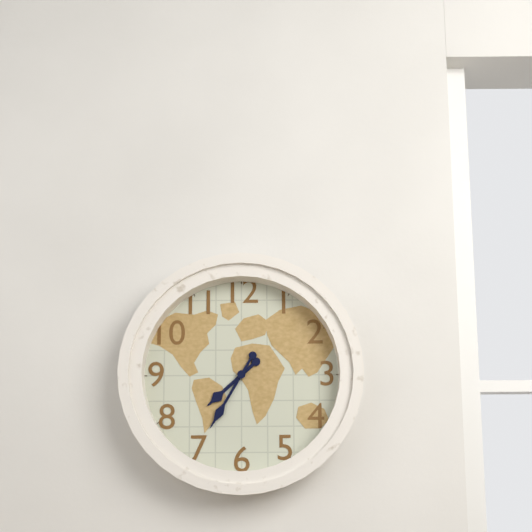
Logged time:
7:35
